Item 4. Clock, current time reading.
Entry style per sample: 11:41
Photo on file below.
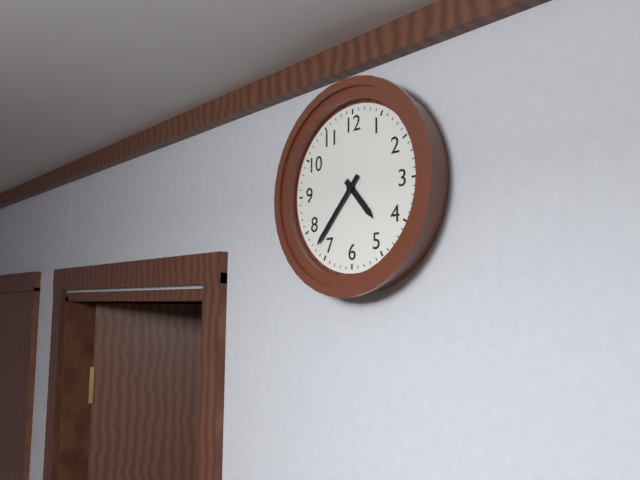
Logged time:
4:37
